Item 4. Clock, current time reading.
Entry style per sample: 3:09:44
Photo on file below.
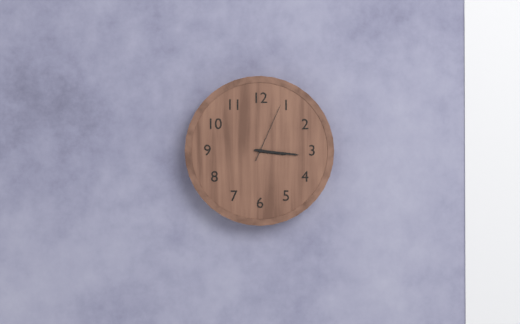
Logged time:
3:16:04
